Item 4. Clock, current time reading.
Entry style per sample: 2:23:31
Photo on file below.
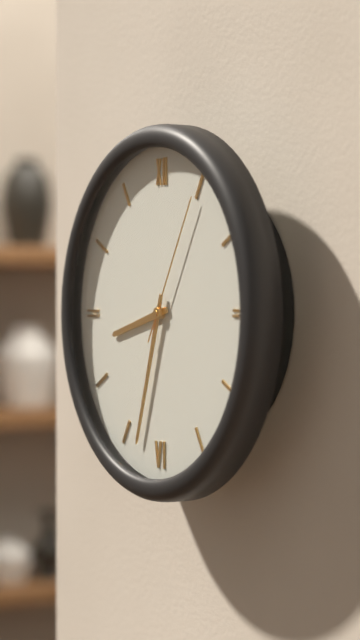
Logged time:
8:33:05
